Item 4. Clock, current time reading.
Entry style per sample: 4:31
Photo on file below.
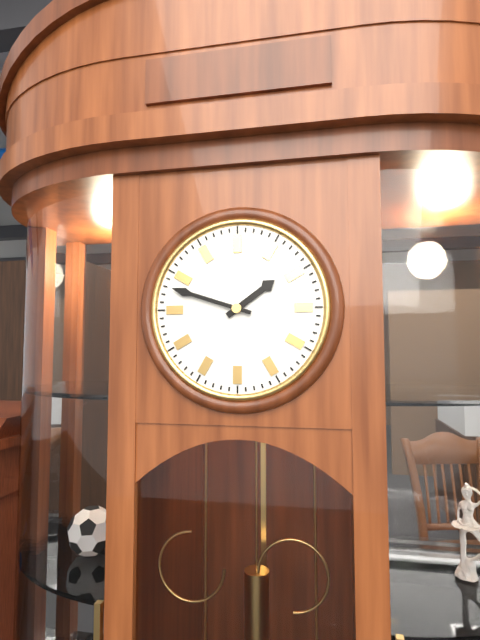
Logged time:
1:48
